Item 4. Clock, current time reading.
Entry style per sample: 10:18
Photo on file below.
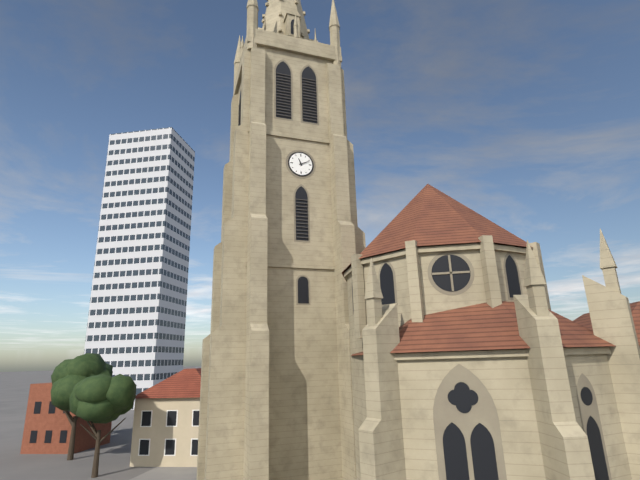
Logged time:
11:11
